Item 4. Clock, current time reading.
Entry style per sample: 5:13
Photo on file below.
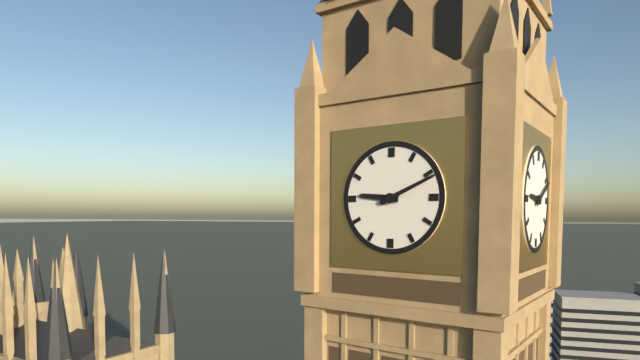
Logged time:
9:11
